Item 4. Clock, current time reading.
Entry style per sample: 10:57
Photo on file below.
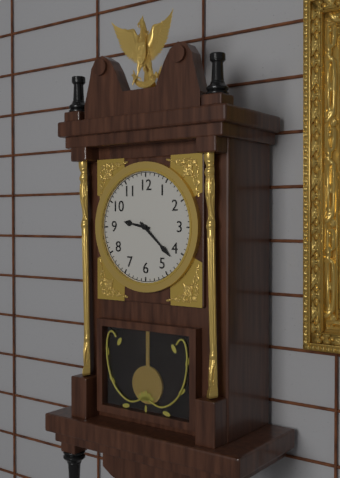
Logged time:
9:22
